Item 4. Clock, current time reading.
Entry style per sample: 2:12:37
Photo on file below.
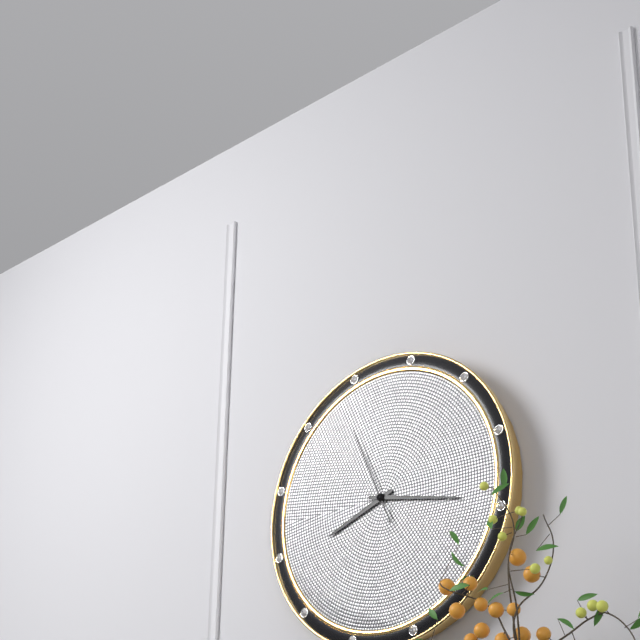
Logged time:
8:17:56
